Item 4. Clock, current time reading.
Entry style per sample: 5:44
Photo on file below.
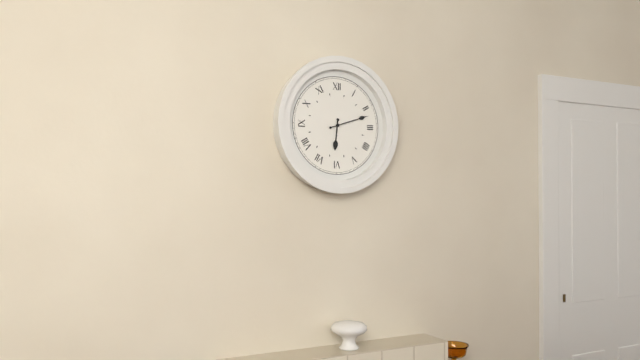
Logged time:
6:12
